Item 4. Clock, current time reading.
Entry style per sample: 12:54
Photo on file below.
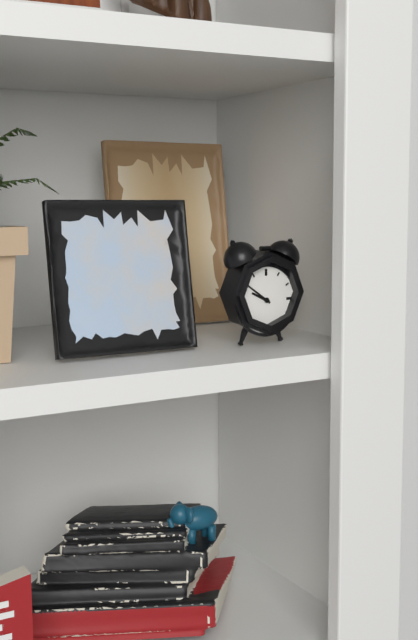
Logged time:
9:51
